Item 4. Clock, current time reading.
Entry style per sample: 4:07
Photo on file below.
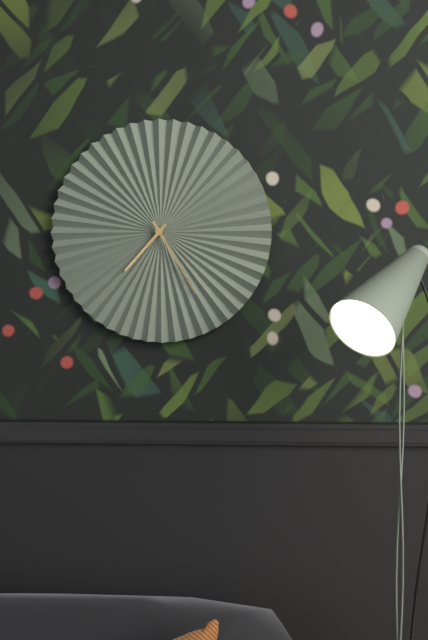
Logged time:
7:25
